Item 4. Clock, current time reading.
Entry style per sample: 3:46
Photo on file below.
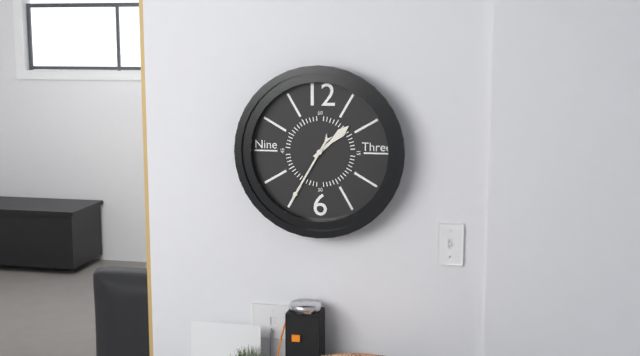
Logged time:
1:35
